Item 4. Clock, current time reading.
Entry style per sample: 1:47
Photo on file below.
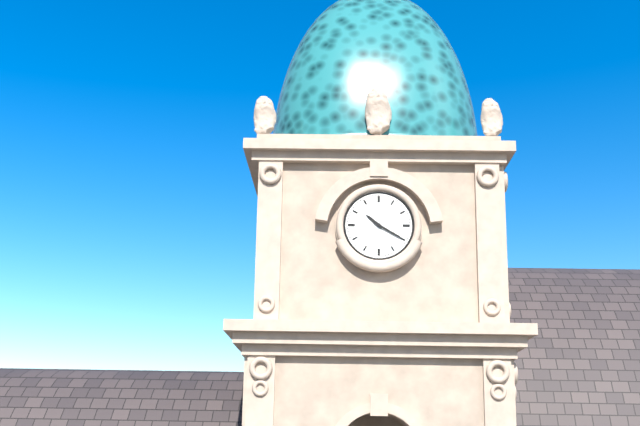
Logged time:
10:20
